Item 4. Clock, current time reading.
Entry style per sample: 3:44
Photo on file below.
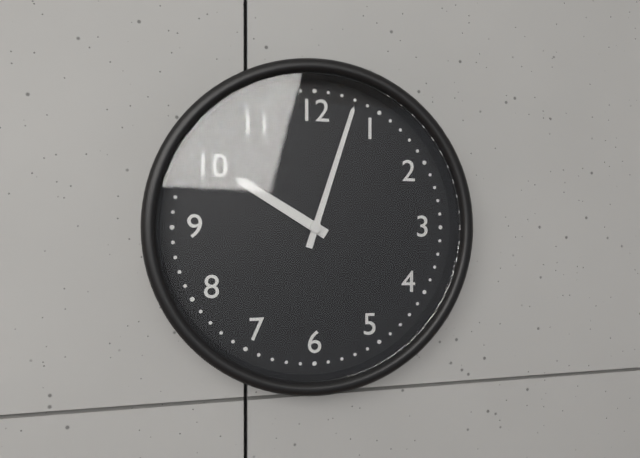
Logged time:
10:03
